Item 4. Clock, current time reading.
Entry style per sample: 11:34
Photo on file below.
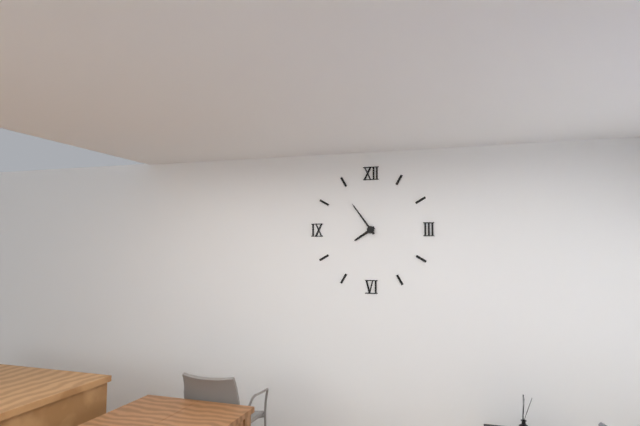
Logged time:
7:54
